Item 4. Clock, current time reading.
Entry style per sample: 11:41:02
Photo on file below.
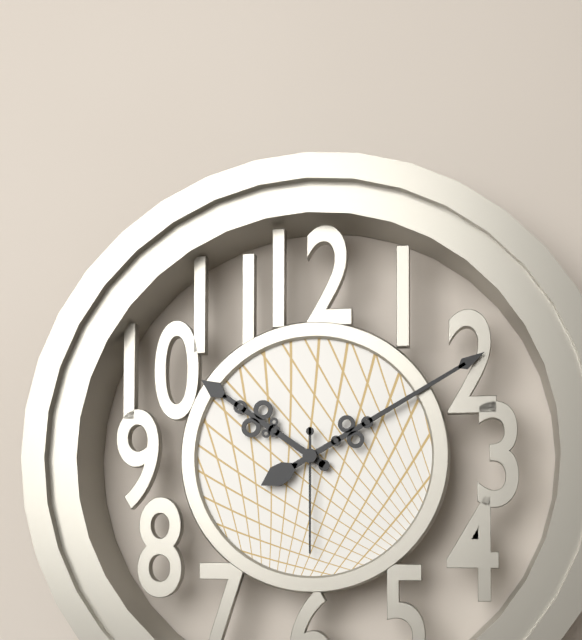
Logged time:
10:10:30
